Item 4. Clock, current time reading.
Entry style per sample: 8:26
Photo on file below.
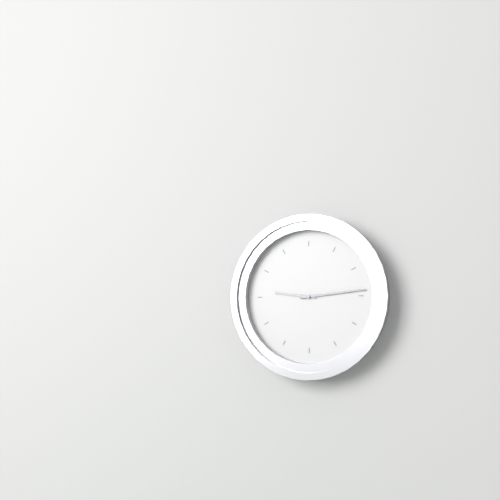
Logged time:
9:14
